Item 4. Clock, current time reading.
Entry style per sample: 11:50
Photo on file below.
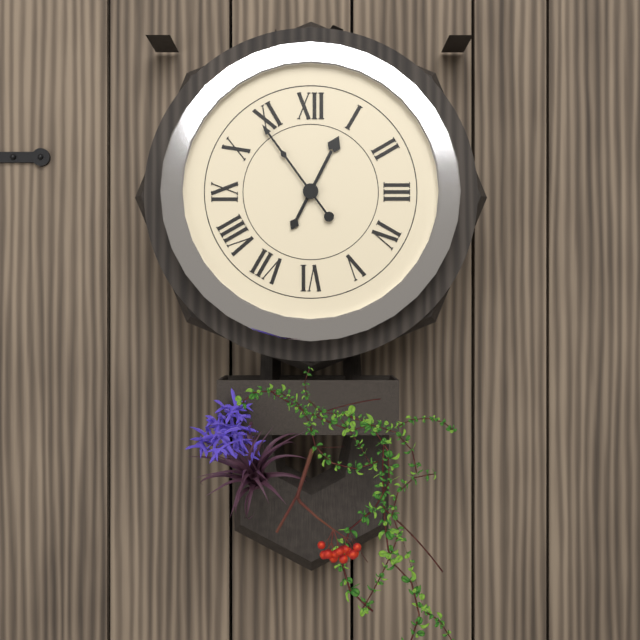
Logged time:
12:54
